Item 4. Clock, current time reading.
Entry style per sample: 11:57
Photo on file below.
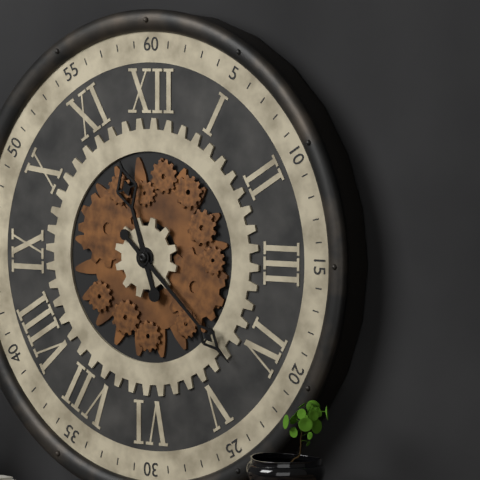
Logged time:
11:22
